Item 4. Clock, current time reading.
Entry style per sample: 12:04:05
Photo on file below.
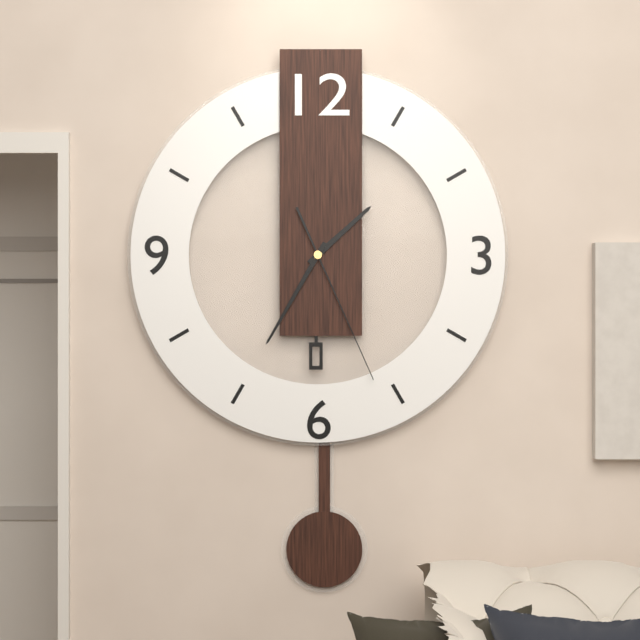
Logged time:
1:35:26
